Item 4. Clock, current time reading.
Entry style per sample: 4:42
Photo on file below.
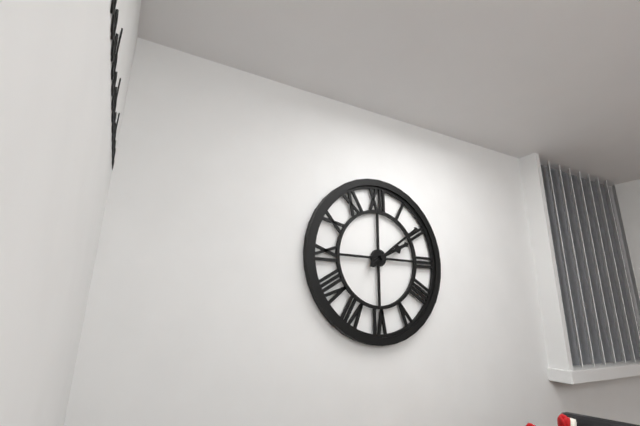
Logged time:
2:09
